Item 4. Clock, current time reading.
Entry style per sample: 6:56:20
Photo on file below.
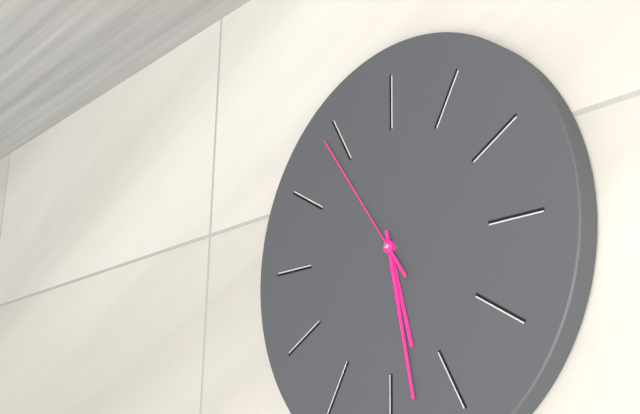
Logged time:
5:28:54
